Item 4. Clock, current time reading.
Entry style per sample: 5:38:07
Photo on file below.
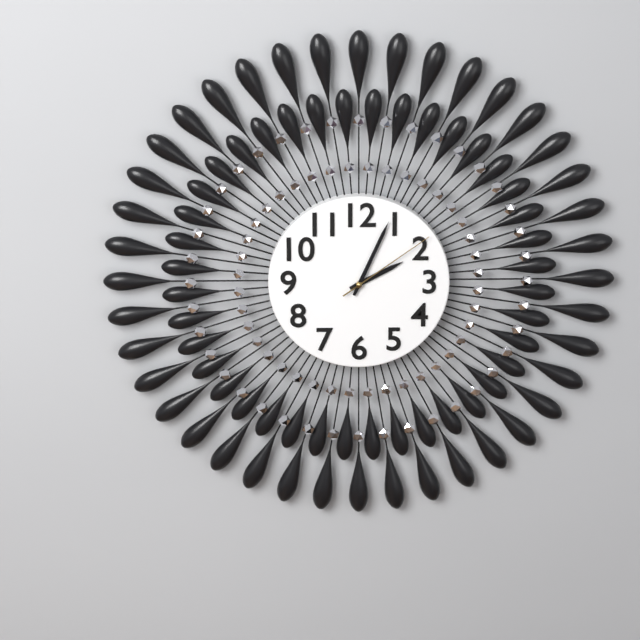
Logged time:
2:04:09
